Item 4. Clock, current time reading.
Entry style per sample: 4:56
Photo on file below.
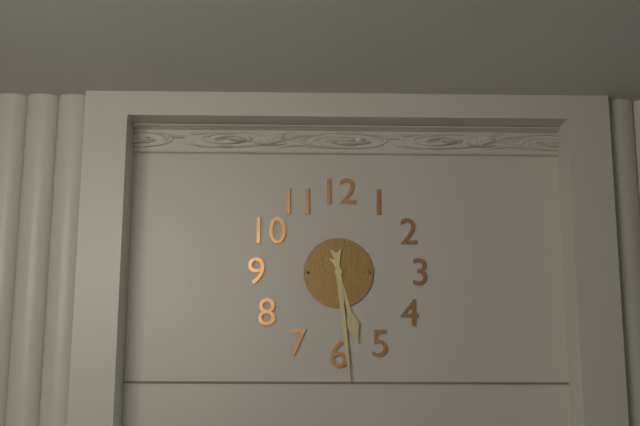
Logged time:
5:29
